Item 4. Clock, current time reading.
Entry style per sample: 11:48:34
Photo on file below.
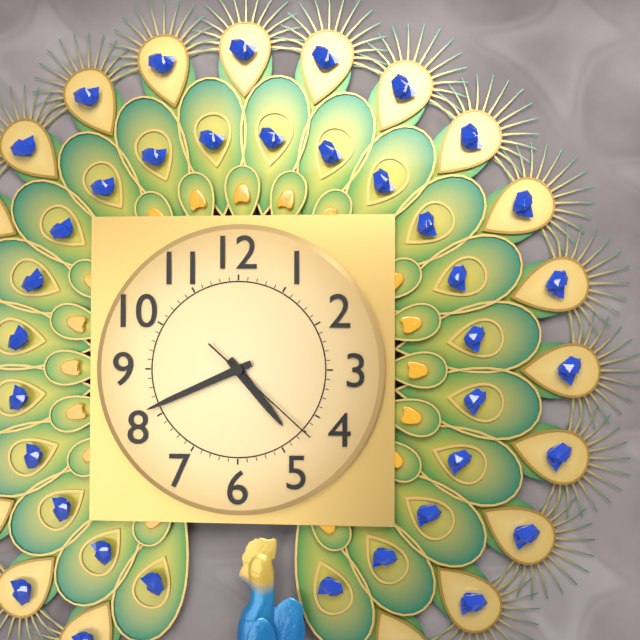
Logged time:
4:41:22
